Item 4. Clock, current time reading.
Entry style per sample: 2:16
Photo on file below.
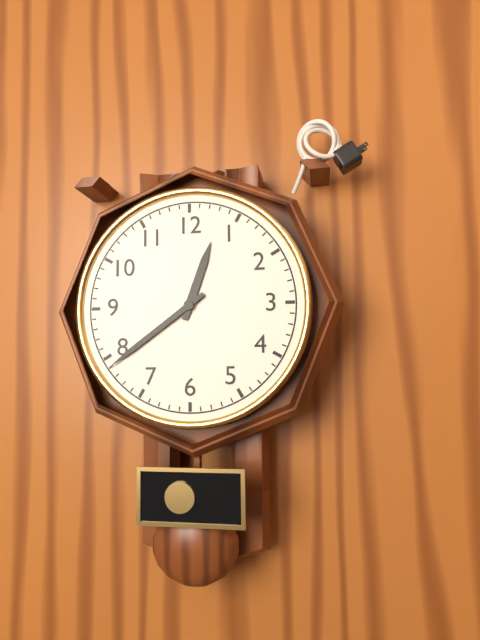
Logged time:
12:39
